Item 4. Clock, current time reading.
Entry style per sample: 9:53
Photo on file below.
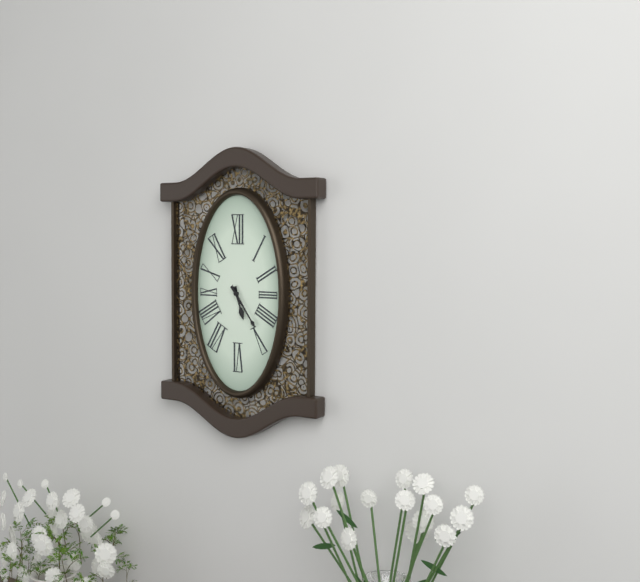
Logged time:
5:24
